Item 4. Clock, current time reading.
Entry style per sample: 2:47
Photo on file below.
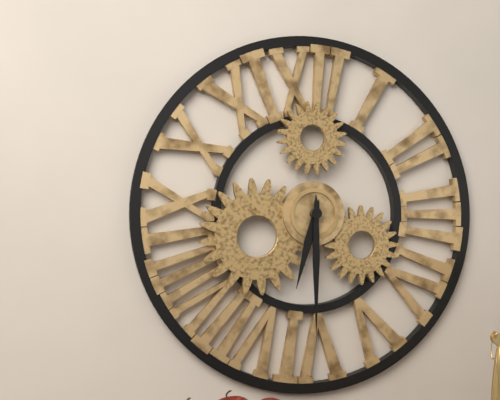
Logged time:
6:30
